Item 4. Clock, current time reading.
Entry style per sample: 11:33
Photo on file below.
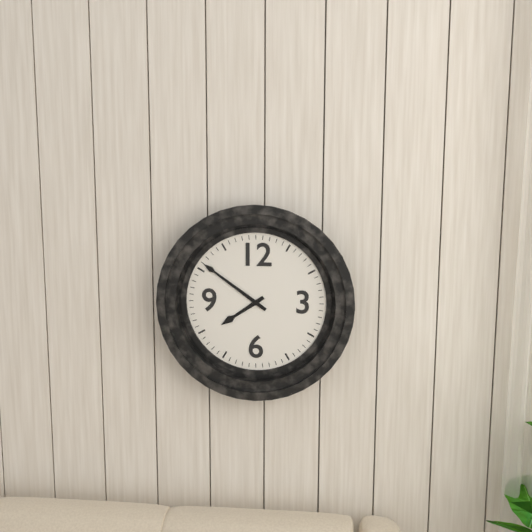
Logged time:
7:51
